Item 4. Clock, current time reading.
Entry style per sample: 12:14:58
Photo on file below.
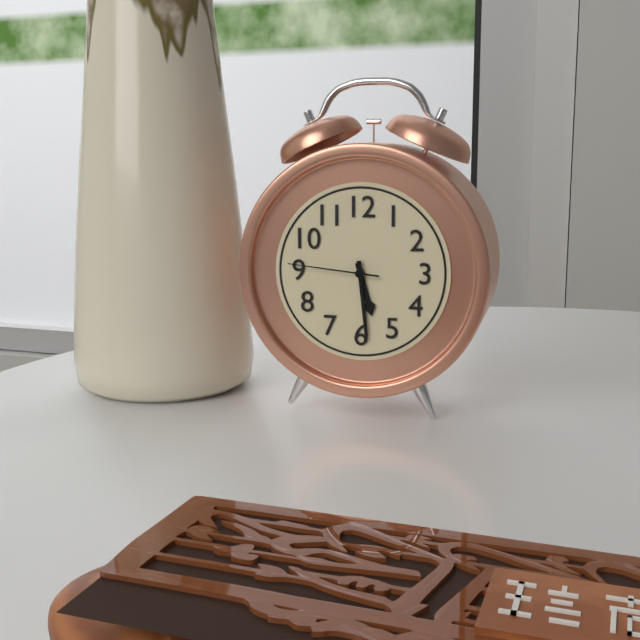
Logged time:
5:29:46
